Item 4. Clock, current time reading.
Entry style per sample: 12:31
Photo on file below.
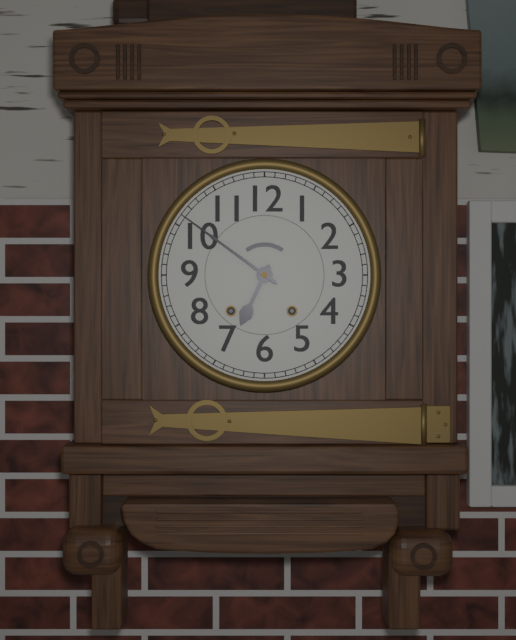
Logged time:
6:51
